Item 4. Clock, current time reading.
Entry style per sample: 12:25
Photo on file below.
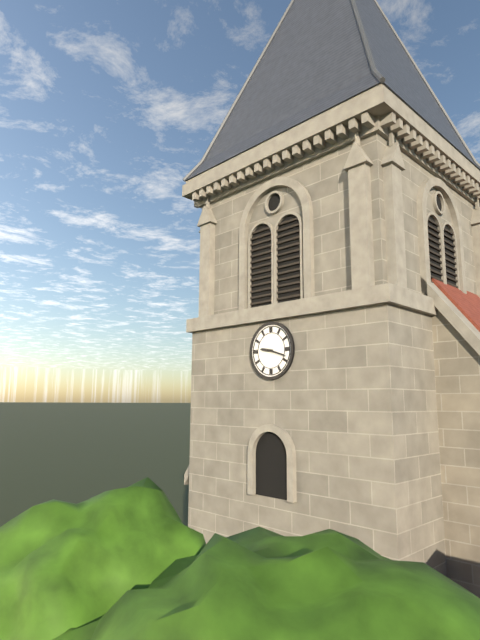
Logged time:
9:18
